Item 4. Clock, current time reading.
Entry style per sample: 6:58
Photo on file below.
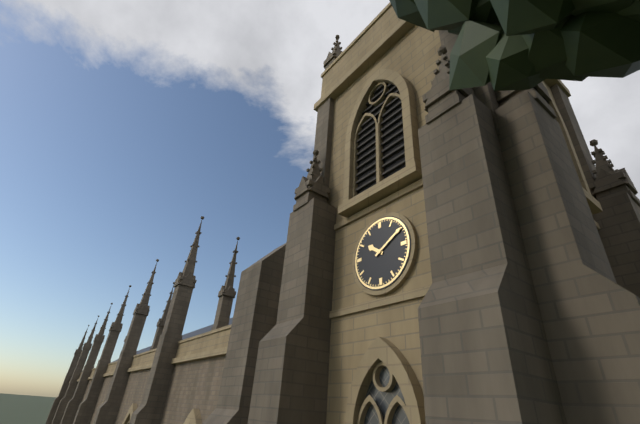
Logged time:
10:10
